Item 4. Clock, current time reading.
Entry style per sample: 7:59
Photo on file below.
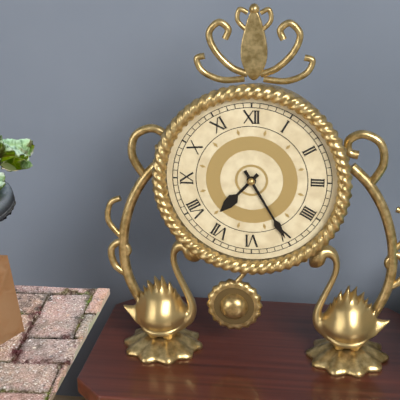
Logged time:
7:25
